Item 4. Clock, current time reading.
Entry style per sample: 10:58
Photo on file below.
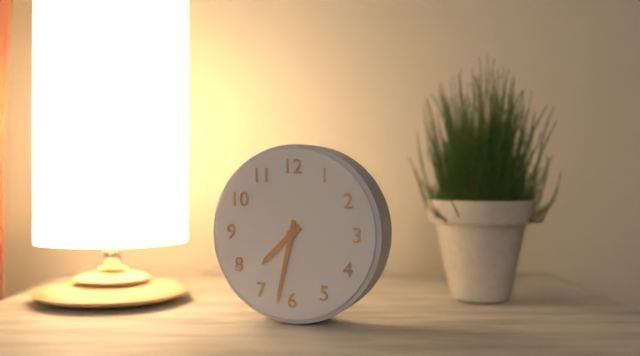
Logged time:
7:32
